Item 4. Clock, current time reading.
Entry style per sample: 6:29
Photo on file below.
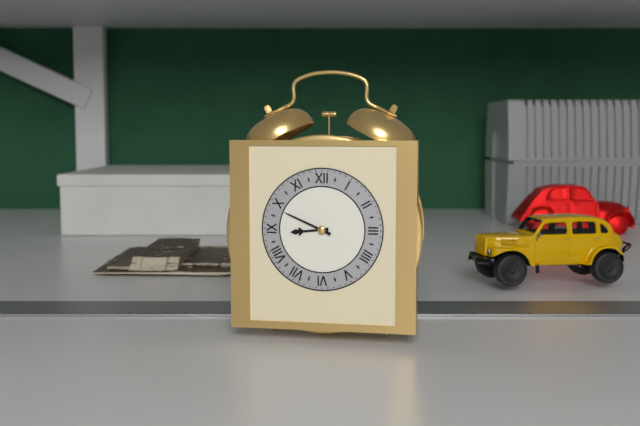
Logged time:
8:49
